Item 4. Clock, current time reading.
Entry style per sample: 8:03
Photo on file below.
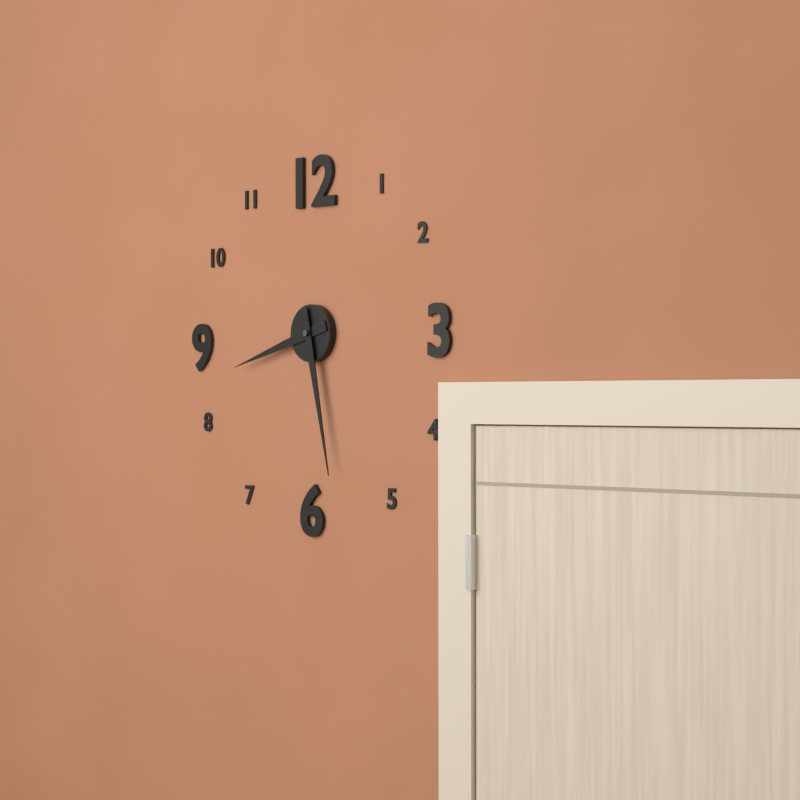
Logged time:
8:28
